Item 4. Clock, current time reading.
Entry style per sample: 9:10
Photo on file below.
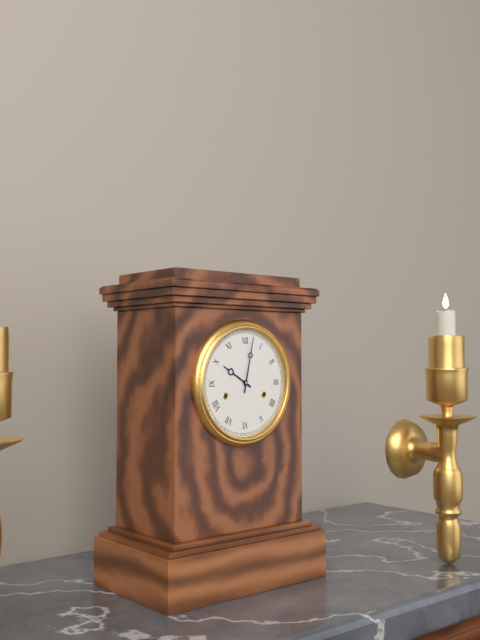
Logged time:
10:02
